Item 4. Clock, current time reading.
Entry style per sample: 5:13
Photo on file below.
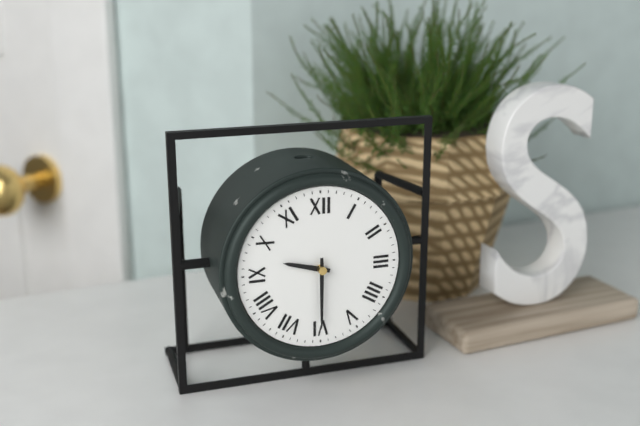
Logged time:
9:30
